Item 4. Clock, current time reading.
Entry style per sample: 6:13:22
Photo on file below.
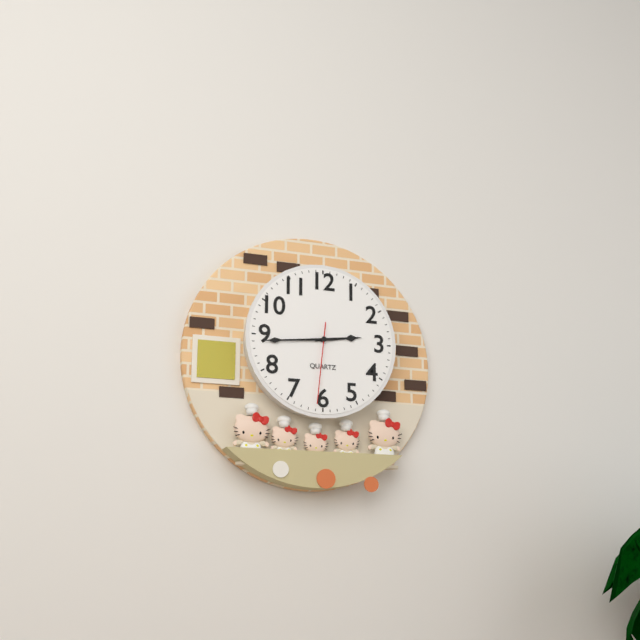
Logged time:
2:44:31
